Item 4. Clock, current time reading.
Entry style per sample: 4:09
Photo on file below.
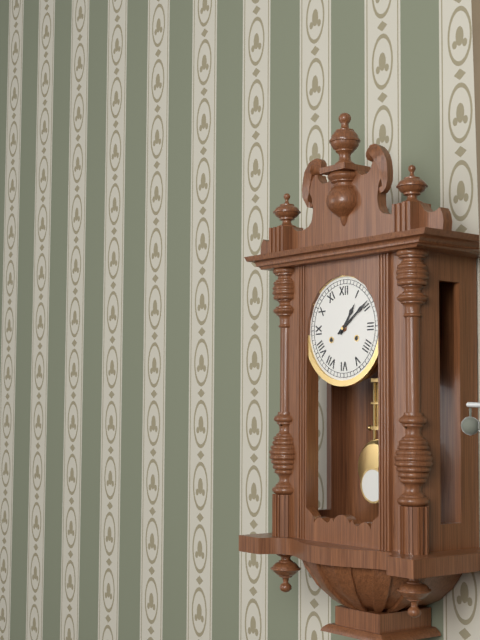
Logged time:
1:09
